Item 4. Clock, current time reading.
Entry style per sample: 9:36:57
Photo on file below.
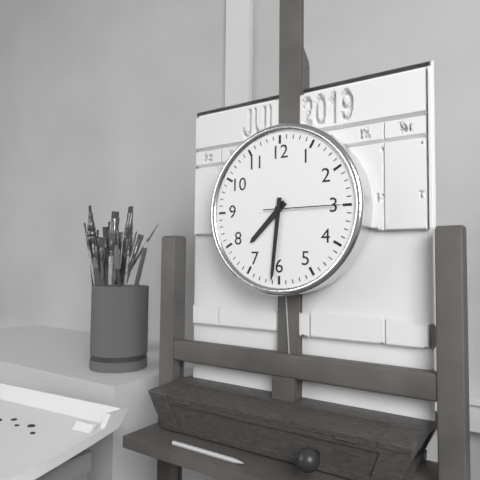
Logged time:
7:31:15
